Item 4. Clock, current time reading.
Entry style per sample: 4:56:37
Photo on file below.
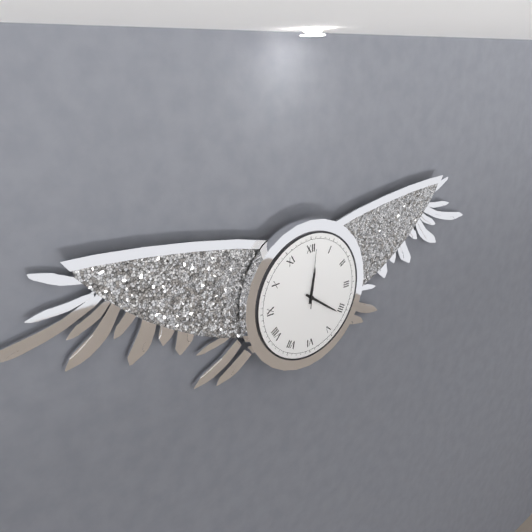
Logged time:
12:21:01
